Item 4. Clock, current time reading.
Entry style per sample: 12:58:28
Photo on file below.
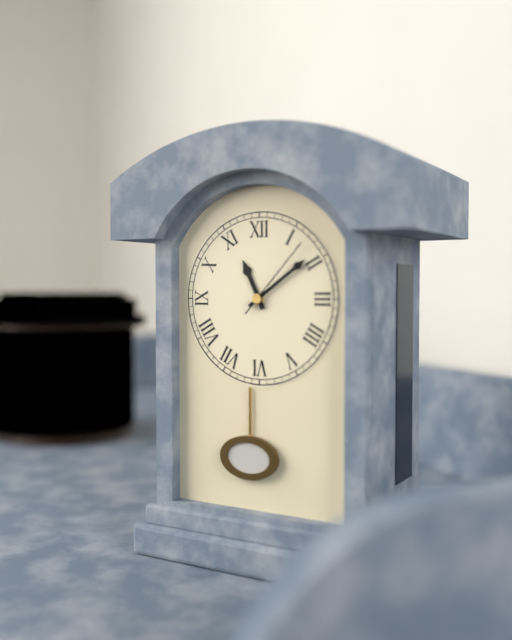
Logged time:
11:09:07
